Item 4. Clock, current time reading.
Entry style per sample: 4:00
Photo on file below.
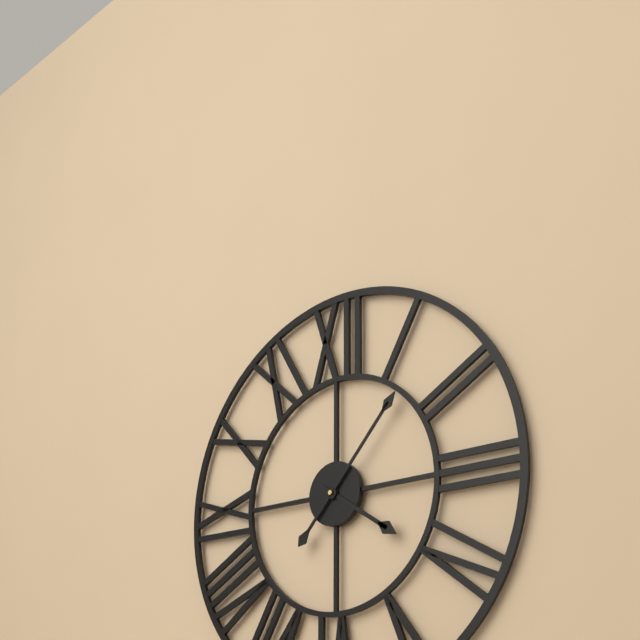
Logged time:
4:07
